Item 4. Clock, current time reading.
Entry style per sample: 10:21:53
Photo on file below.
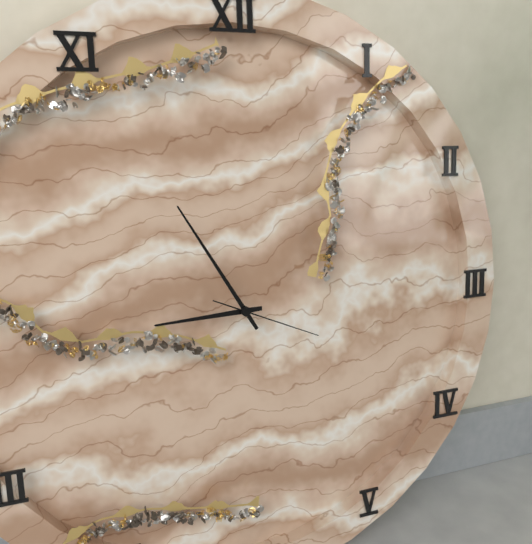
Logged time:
8:55:19
